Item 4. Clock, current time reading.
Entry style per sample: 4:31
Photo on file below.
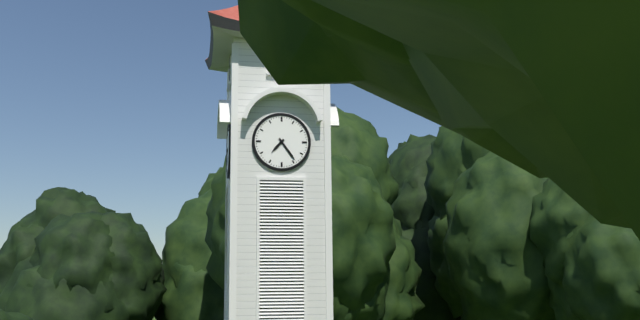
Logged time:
7:24
